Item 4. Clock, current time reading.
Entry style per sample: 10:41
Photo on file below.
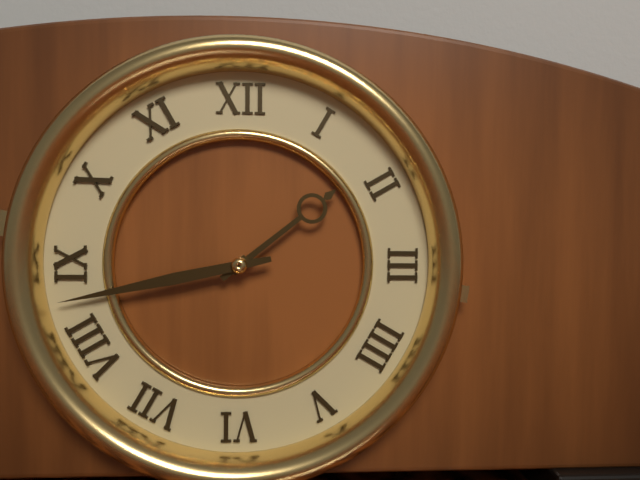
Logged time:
1:43
